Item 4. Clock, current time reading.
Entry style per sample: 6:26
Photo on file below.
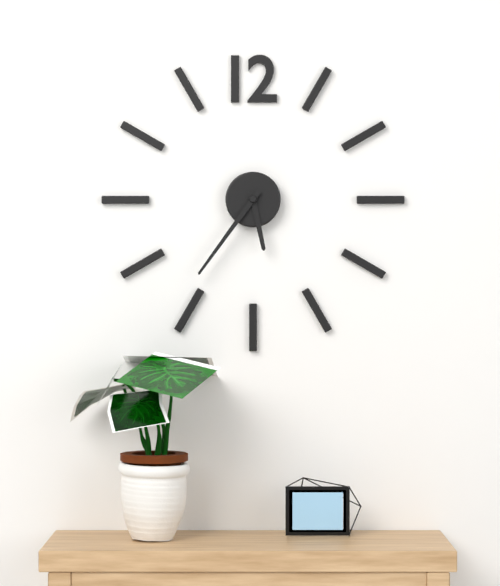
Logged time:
5:36
